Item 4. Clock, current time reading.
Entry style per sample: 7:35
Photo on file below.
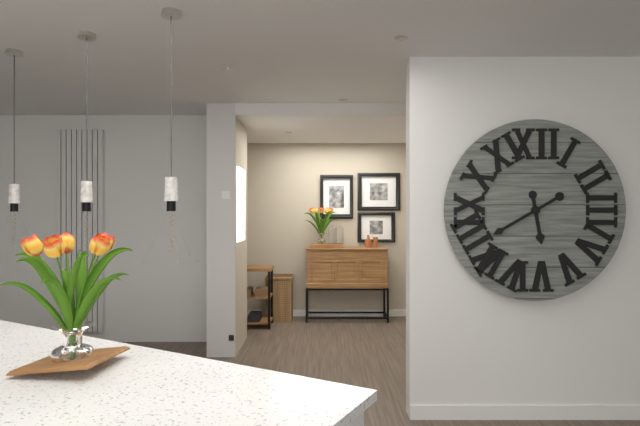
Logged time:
5:40
